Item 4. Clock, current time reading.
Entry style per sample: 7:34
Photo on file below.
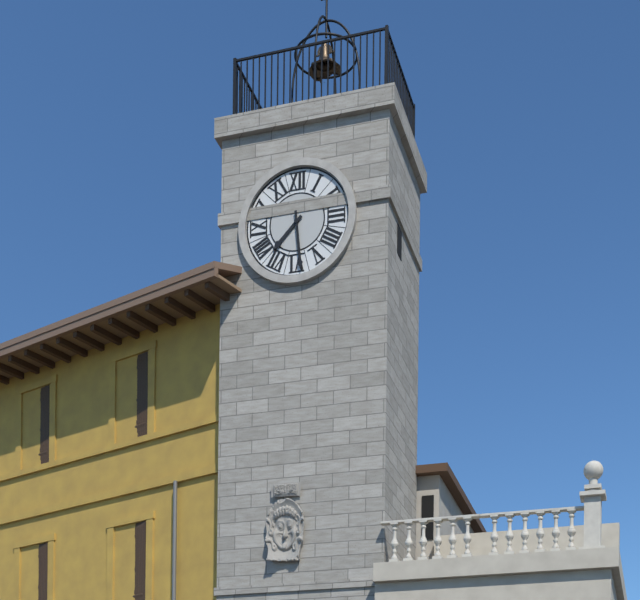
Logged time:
7:29
